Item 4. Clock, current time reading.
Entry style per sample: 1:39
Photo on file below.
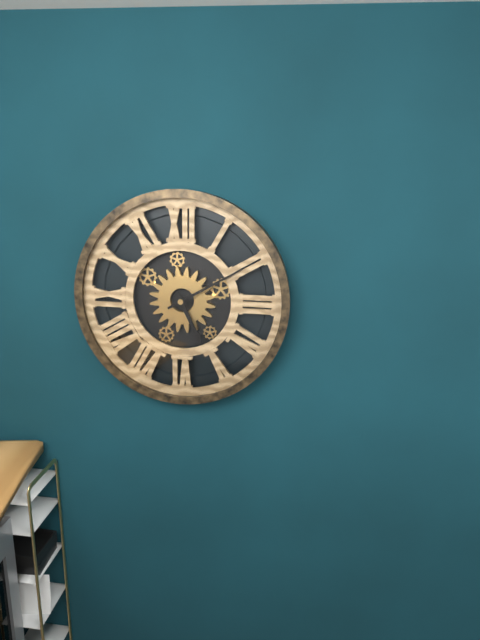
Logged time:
5:10
